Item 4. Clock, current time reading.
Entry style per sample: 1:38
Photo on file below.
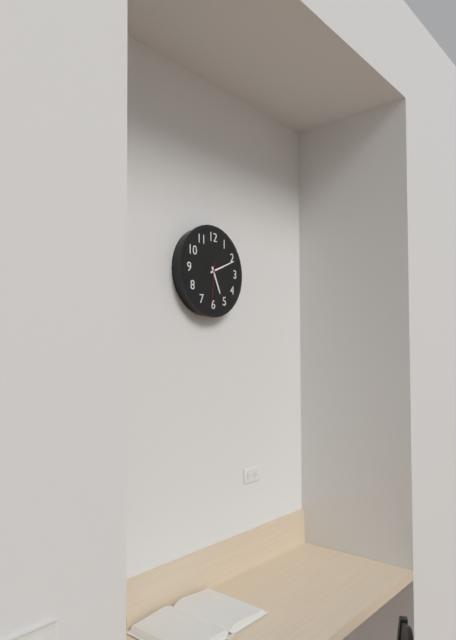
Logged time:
5:11
